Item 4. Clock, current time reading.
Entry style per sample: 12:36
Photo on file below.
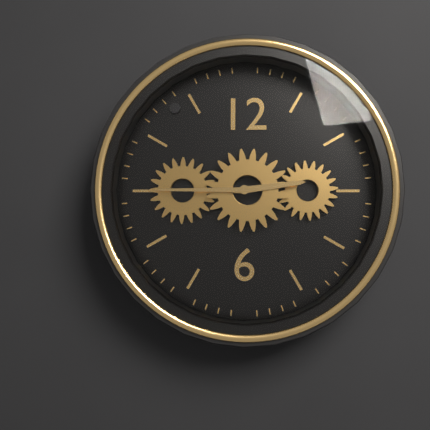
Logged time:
2:45
